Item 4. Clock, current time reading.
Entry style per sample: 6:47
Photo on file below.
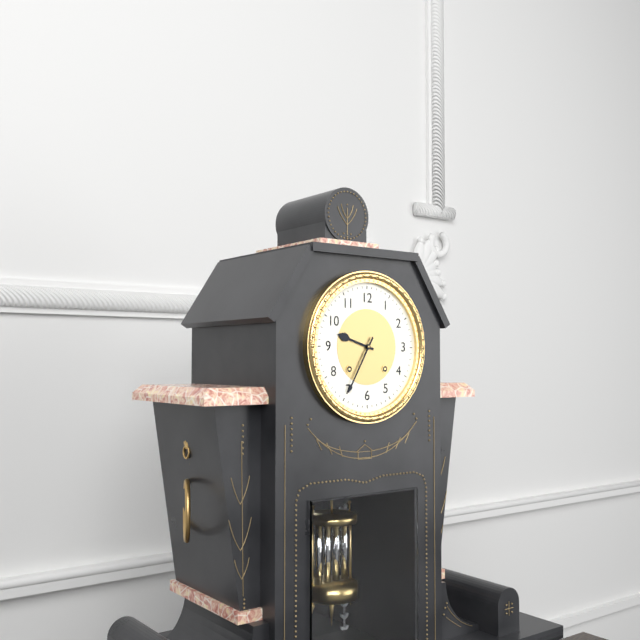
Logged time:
9:35
